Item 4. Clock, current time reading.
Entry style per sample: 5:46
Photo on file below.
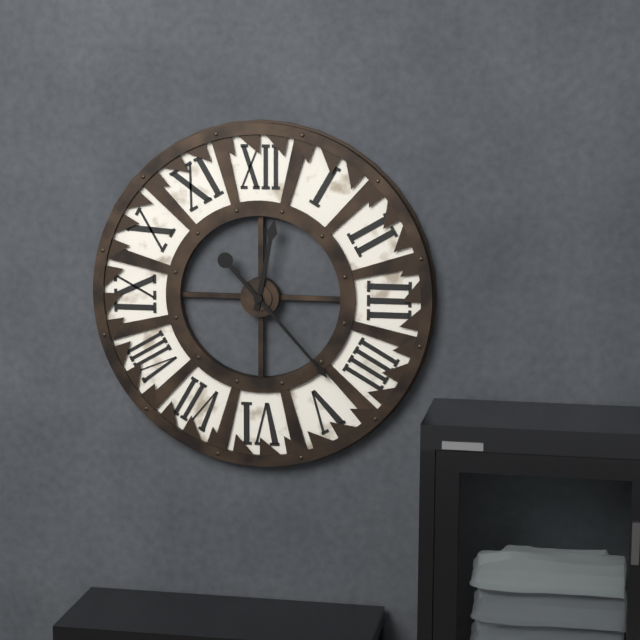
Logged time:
12:23
